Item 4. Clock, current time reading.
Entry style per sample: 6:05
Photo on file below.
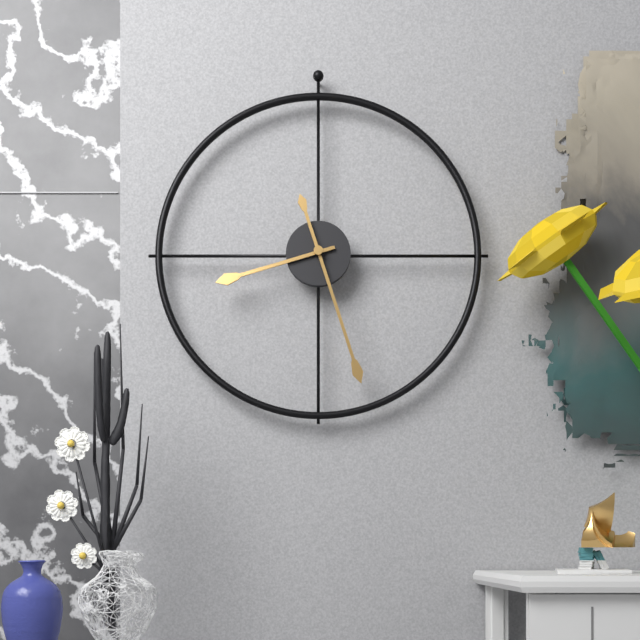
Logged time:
8:27
